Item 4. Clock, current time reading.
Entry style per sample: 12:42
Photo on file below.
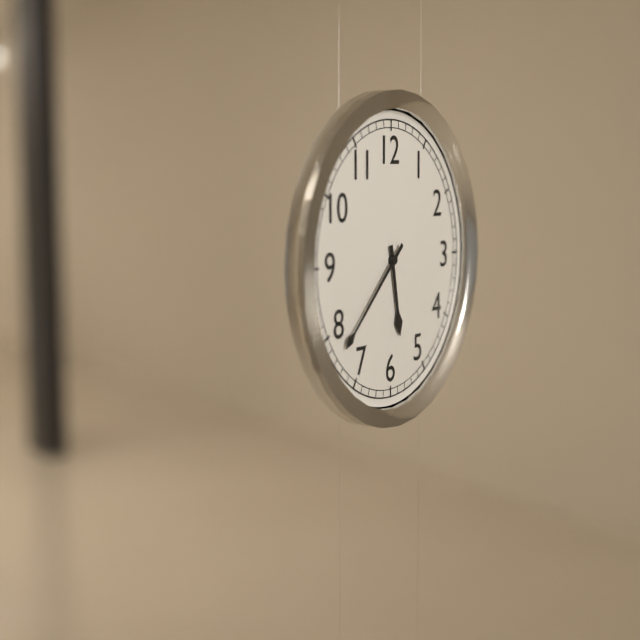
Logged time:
5:38
